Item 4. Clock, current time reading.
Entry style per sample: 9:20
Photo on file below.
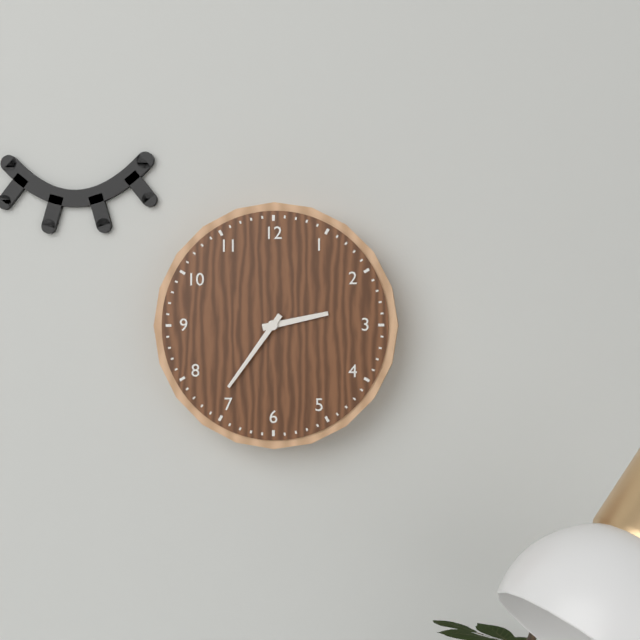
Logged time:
2:36
